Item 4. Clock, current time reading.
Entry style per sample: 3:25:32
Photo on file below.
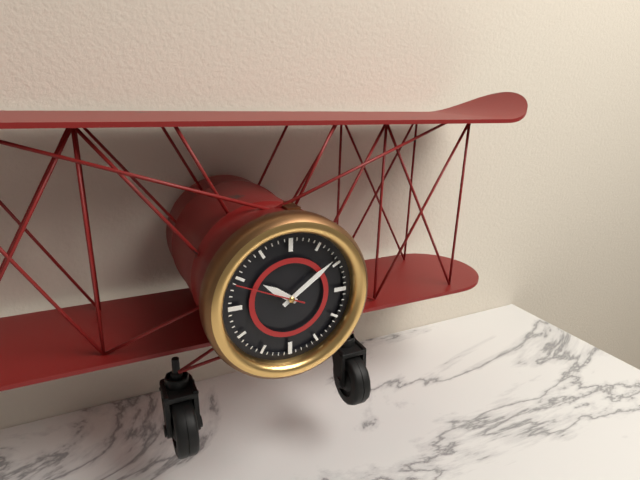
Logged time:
10:09:49
